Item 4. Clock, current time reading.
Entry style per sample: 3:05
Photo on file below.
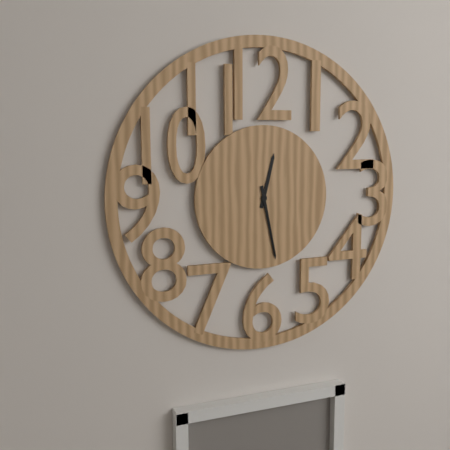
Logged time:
12:28
